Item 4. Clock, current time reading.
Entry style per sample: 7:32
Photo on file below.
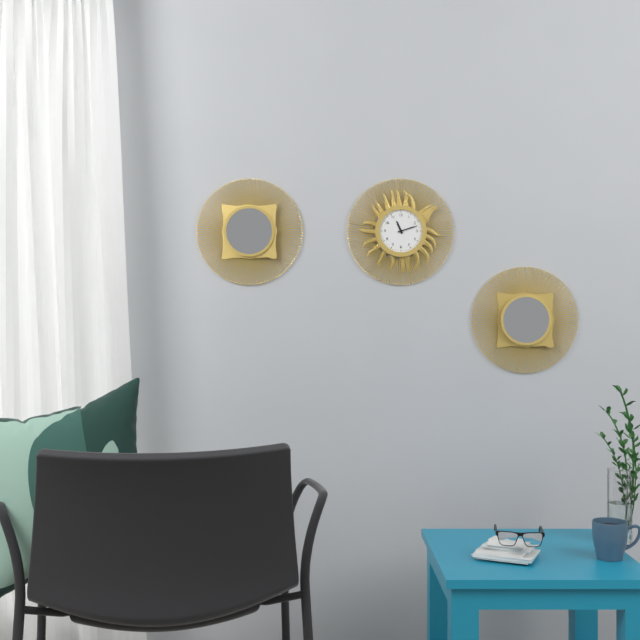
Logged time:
11:12
